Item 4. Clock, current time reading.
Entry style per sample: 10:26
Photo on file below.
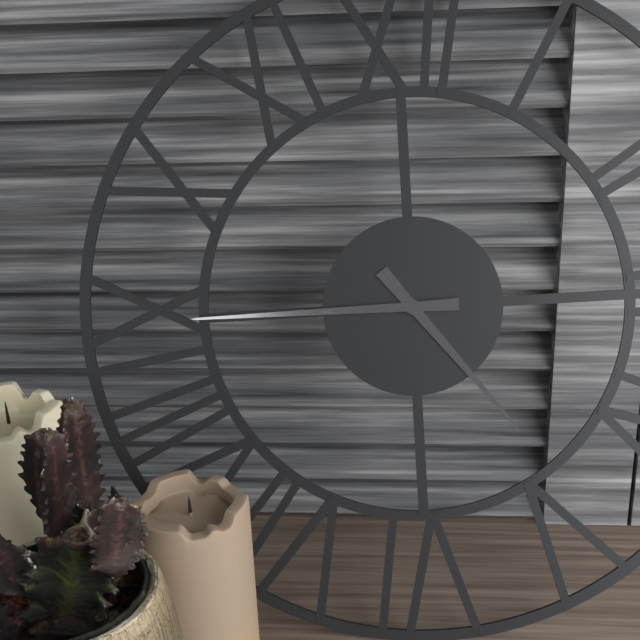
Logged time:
4:45
